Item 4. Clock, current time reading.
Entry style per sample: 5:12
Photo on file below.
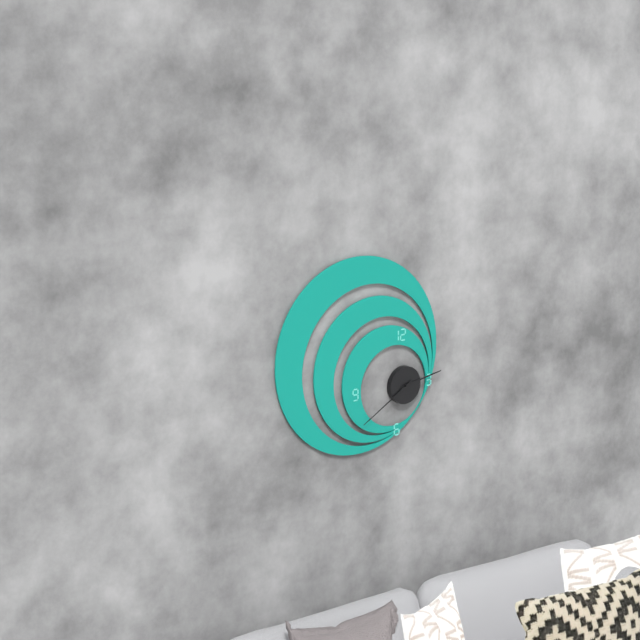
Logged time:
2:40
